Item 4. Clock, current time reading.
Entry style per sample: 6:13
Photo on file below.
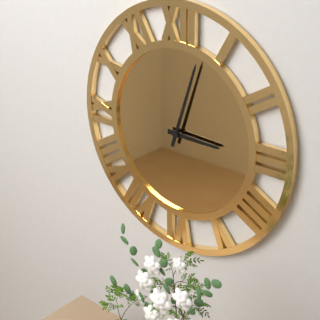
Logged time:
3:03
